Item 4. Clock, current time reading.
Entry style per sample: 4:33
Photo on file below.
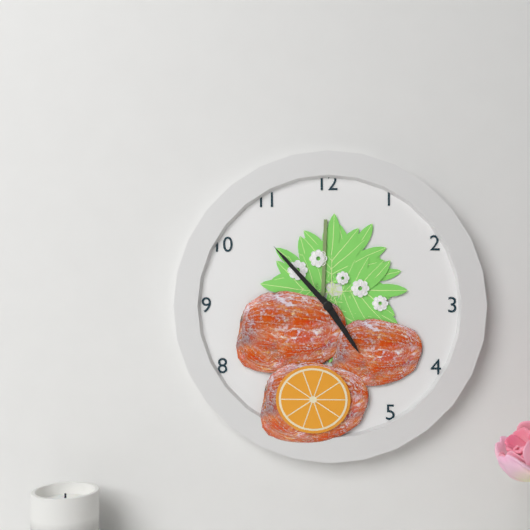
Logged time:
4:53
